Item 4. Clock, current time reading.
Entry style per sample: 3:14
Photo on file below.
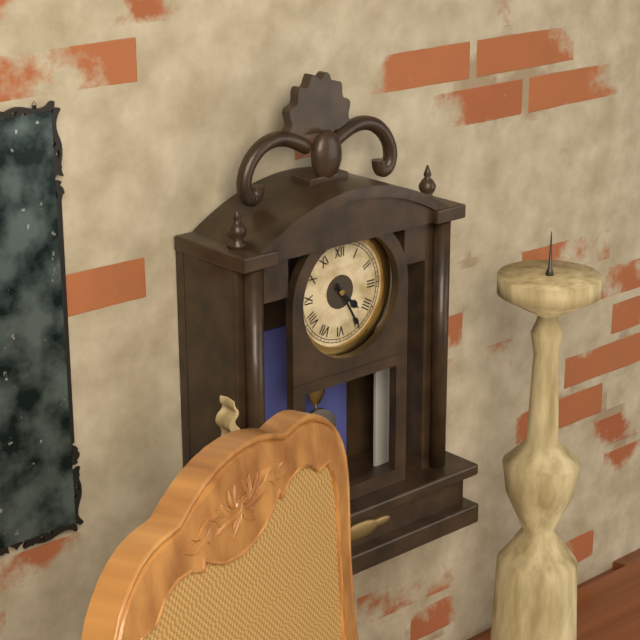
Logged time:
4:25
